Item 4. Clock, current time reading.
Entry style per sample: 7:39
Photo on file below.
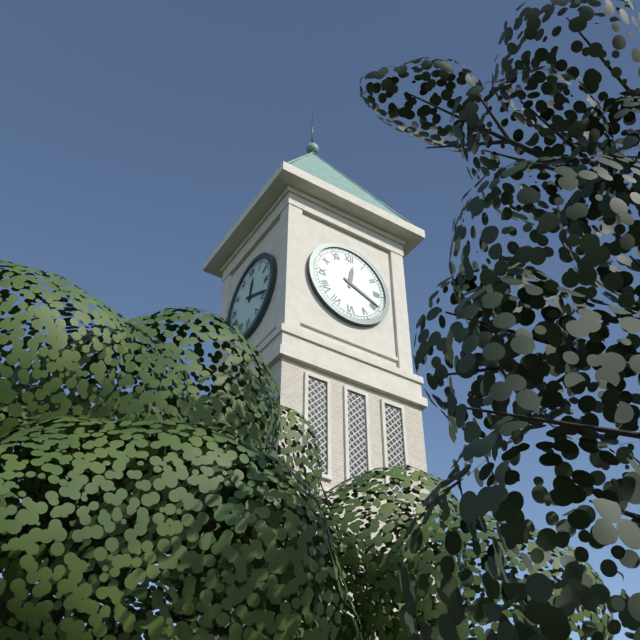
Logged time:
12:19
